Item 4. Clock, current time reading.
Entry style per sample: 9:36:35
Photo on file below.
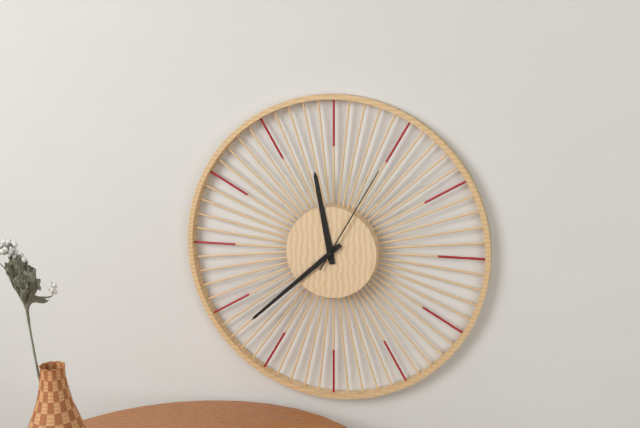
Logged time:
11:38:05
